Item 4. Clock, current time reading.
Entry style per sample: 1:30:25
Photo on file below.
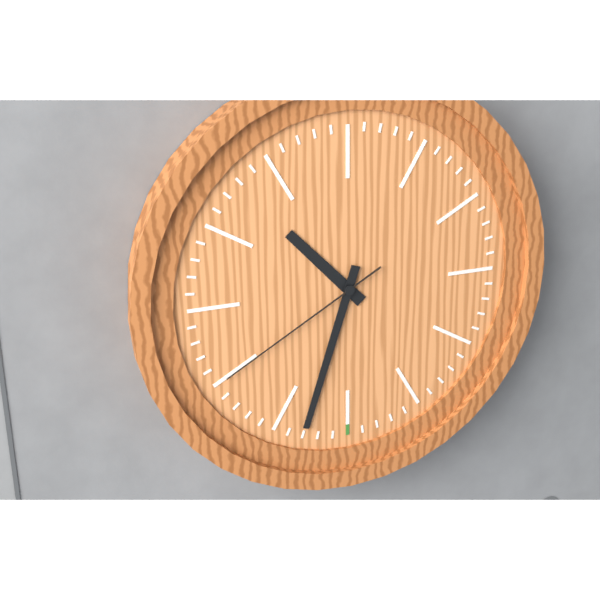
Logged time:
10:33:40
